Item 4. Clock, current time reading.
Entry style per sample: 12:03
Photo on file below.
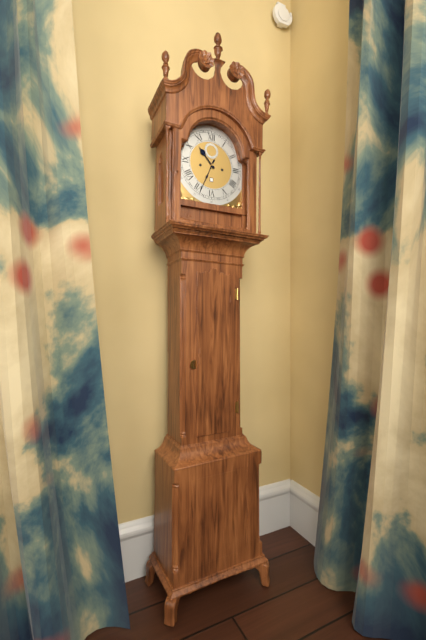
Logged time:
10:34
